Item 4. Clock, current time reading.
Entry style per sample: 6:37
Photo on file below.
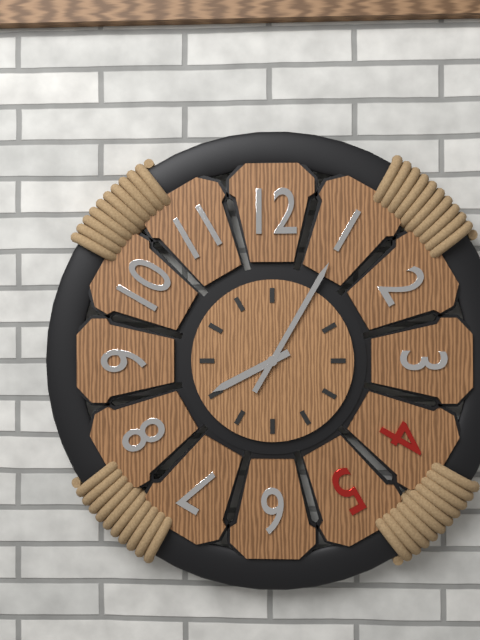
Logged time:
8:05
